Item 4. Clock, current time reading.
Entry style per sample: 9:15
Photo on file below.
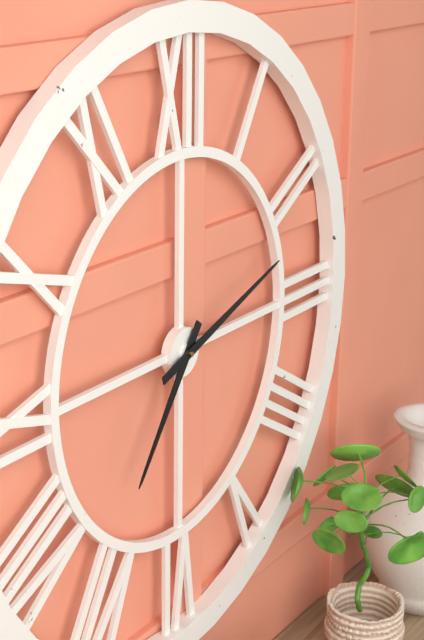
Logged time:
7:12
